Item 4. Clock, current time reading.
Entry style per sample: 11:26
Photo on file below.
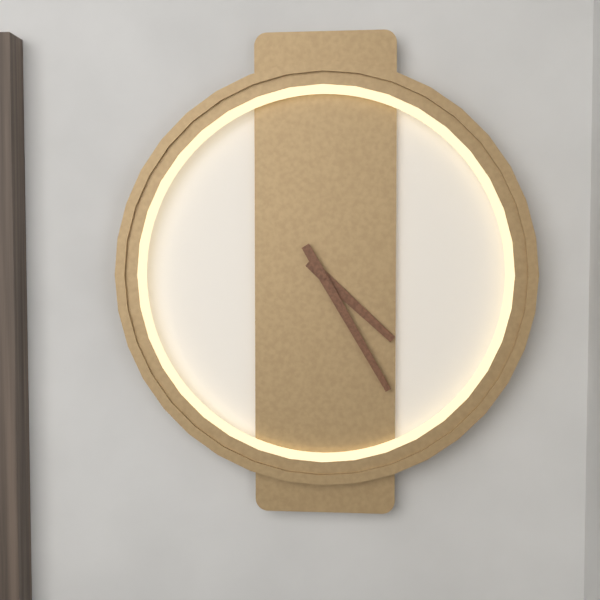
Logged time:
4:25
